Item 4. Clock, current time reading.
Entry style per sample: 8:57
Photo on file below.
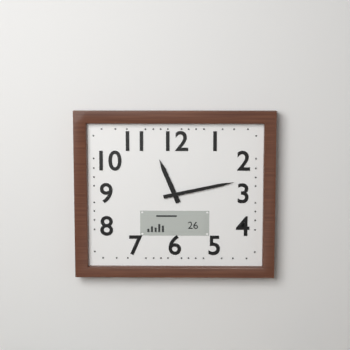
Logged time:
11:13
